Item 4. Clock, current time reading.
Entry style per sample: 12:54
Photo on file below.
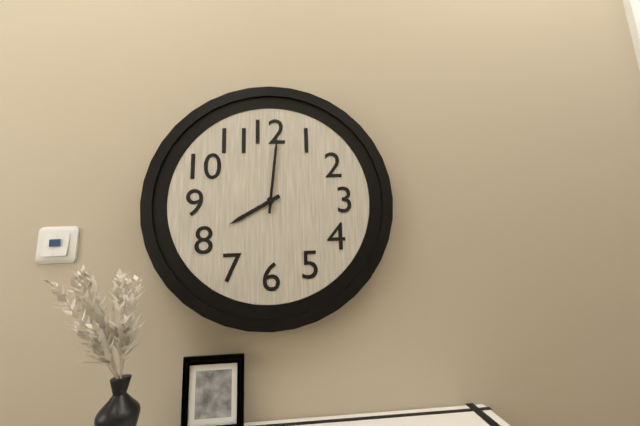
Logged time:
8:01
